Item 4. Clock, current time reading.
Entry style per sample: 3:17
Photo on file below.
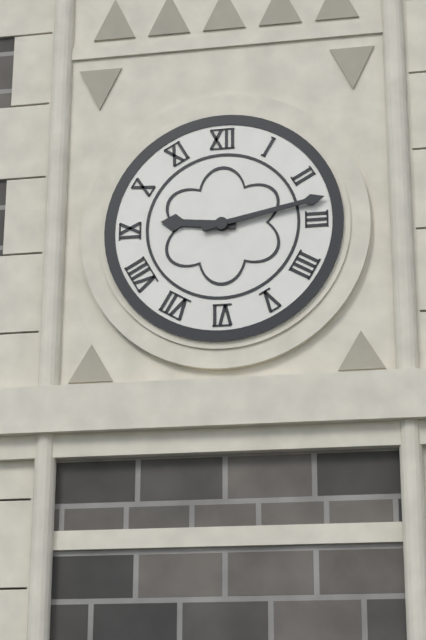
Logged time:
9:13
